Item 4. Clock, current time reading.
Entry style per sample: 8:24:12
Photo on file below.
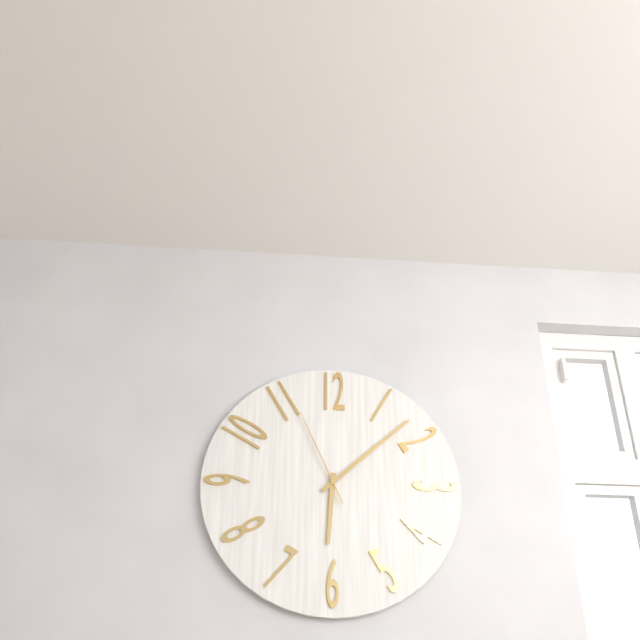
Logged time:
6:08:56
